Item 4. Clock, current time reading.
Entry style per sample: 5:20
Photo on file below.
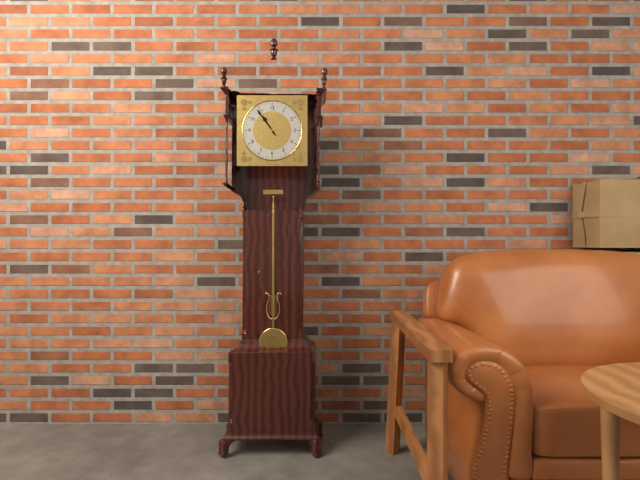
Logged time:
10:54
